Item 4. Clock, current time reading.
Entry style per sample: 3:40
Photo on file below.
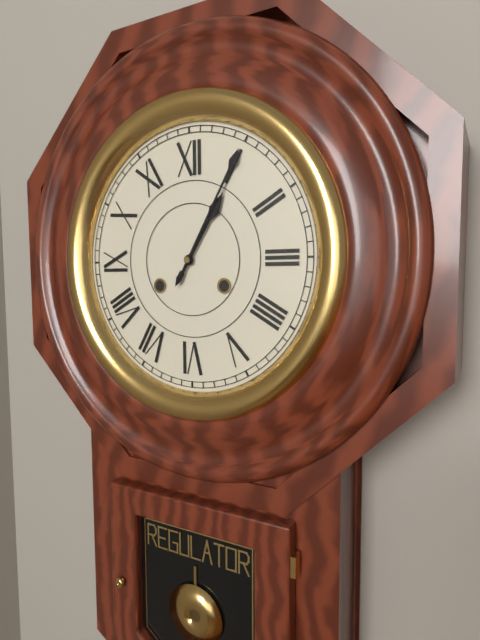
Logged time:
1:05
